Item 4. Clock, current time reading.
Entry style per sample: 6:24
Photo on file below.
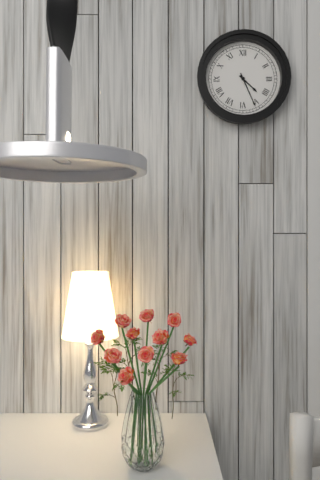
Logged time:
4:26
